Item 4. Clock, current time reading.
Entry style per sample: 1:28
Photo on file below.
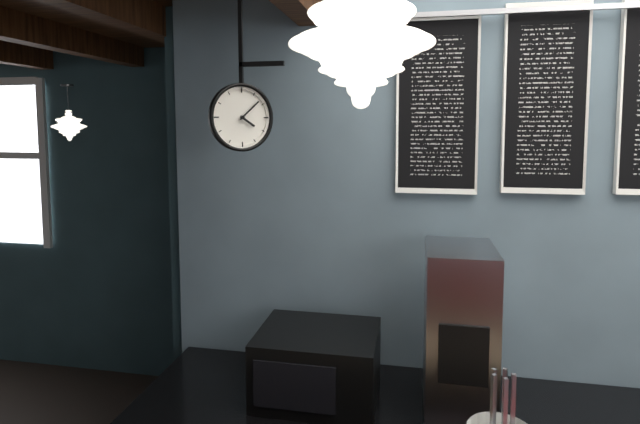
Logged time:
4:08
